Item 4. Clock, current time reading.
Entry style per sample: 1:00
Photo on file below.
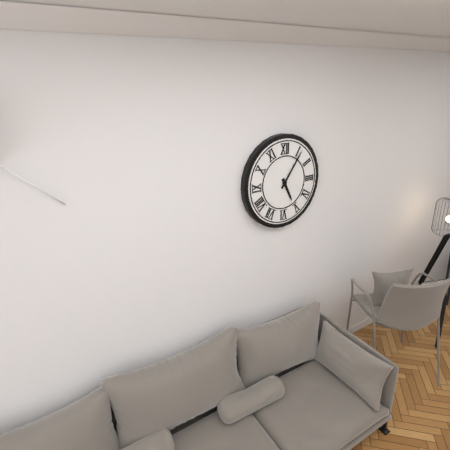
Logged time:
5:06
